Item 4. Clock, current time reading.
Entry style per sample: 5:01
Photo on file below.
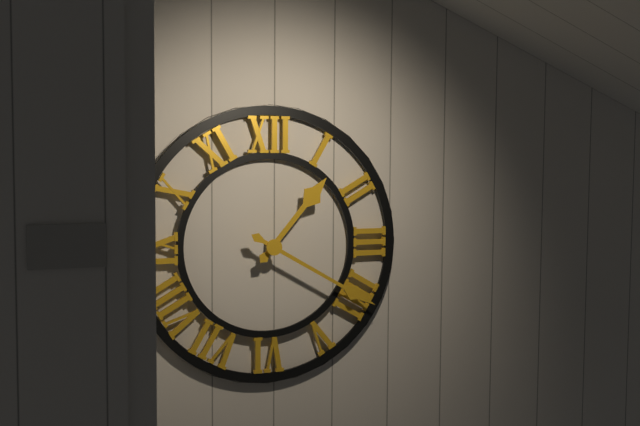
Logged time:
1:20
